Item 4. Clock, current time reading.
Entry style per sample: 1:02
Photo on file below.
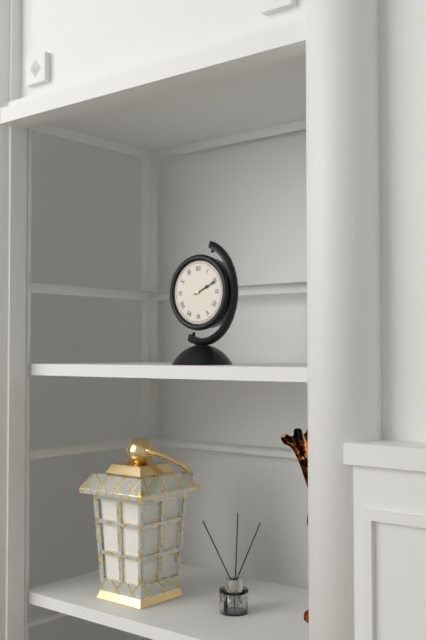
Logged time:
2:11
